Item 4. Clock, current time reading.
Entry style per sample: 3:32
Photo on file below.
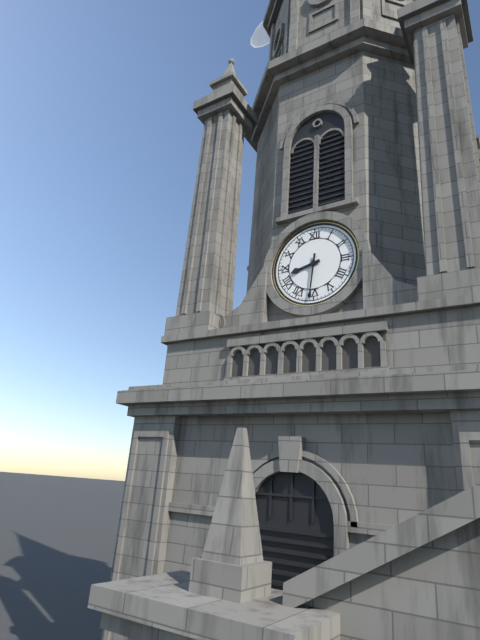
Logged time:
8:31
